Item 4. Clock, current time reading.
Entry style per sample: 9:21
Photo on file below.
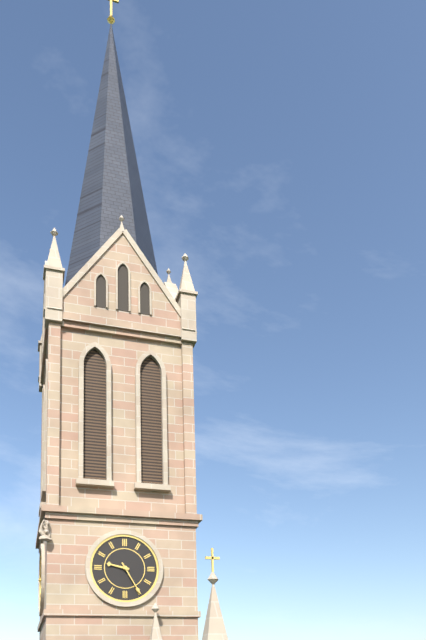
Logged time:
9:25
